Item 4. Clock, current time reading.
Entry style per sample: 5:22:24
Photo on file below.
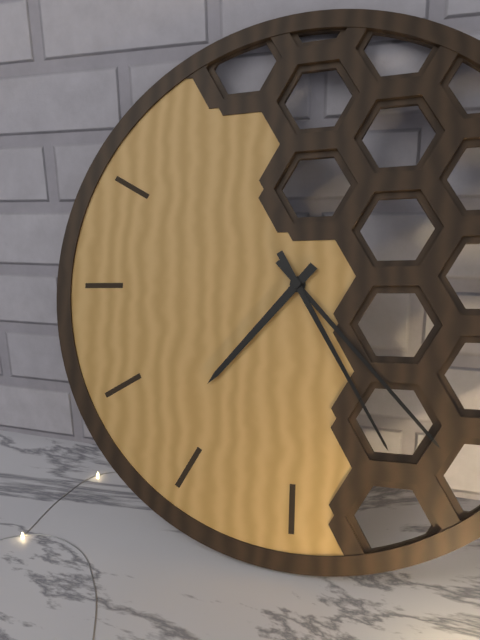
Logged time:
7:23:25
